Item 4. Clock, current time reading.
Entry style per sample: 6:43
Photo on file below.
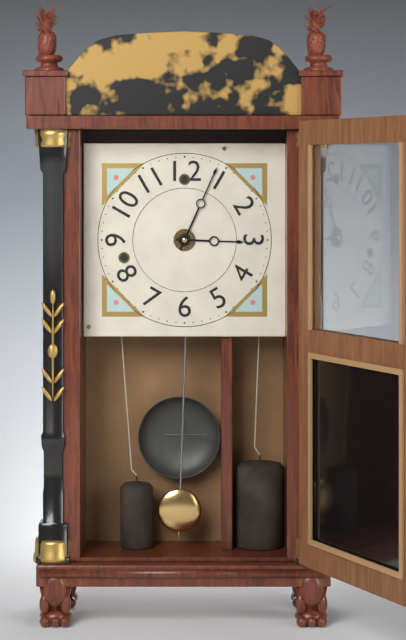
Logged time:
3:04
